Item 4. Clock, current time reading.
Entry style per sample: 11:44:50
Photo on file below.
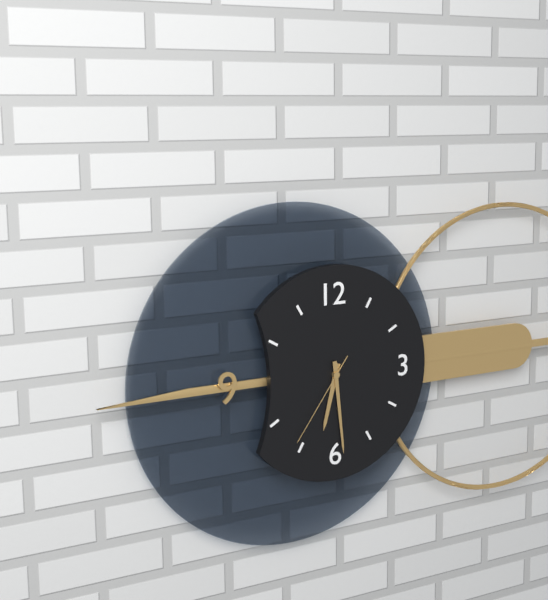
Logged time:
6:29:36
